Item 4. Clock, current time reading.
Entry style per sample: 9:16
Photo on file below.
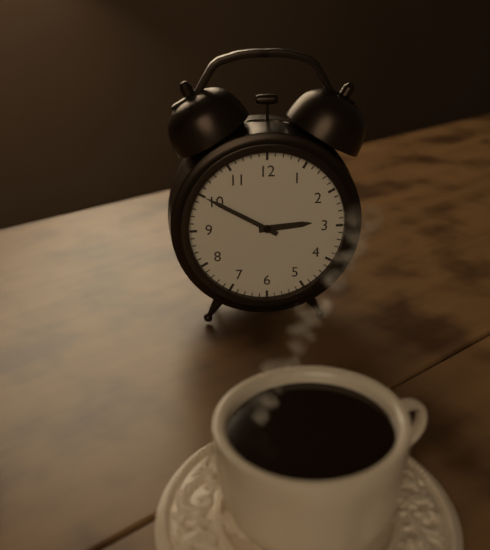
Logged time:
2:50
